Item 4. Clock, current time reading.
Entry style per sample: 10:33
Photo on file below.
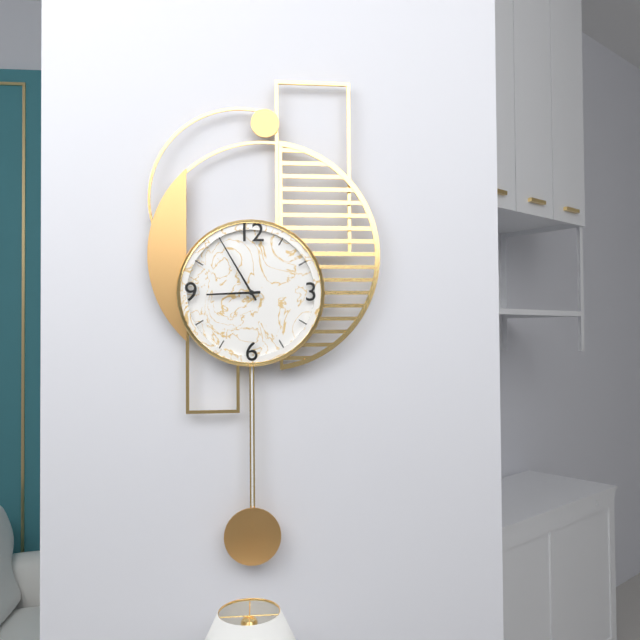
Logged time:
8:55
